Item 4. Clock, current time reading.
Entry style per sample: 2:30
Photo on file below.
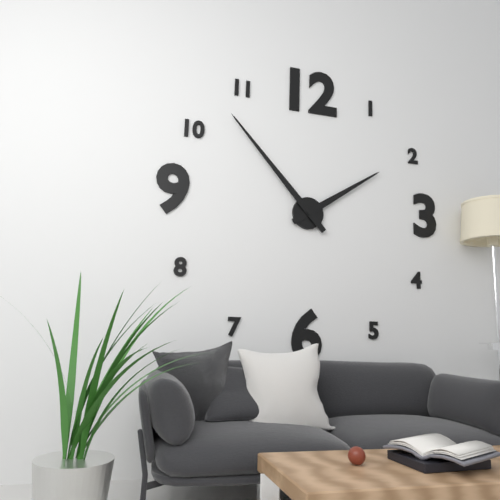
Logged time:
1:53
